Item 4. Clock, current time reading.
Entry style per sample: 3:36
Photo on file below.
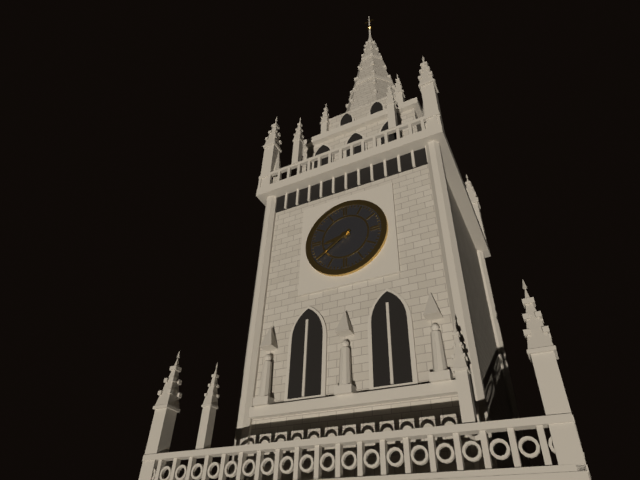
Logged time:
8:39
